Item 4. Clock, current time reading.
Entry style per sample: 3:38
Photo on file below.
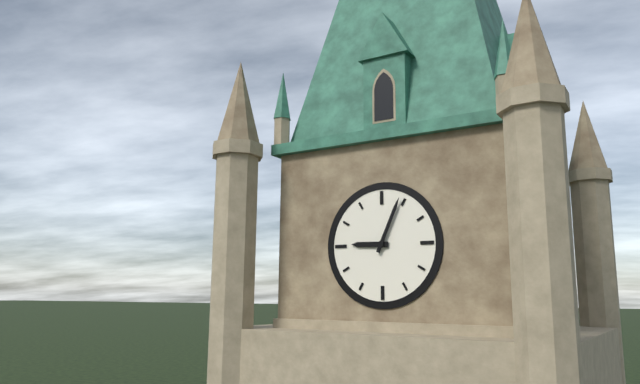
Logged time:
9:04
